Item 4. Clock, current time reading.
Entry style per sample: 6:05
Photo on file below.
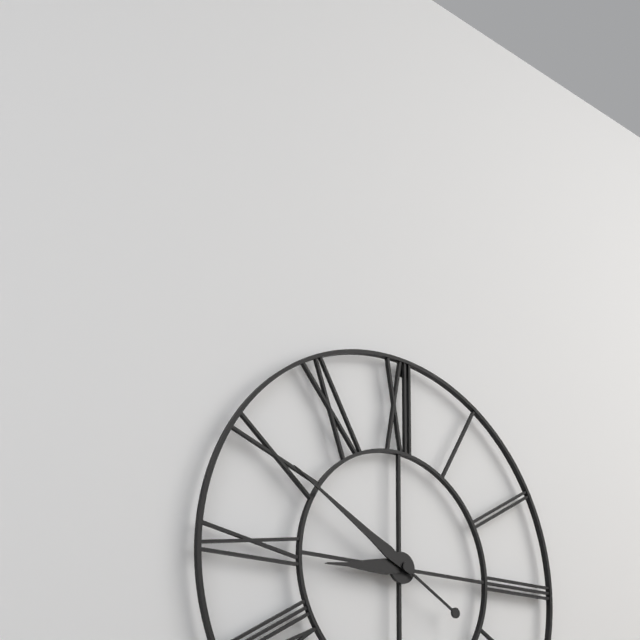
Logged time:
8:50
